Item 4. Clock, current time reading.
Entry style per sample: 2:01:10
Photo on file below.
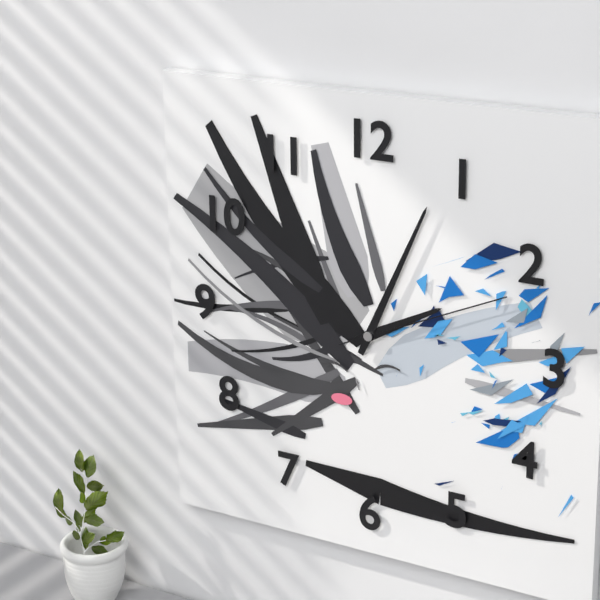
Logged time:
2:04:11
